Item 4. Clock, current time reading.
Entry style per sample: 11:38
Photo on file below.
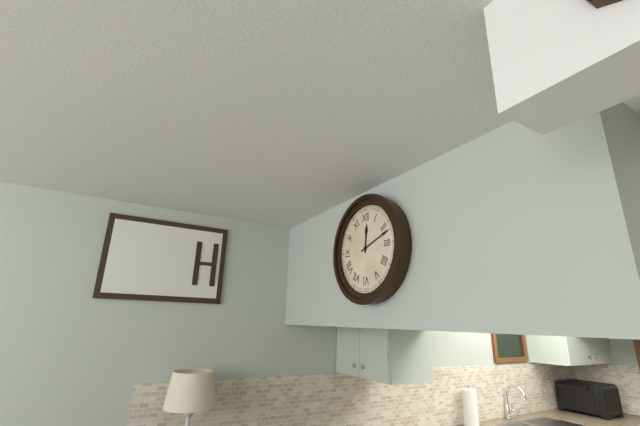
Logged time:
12:12
